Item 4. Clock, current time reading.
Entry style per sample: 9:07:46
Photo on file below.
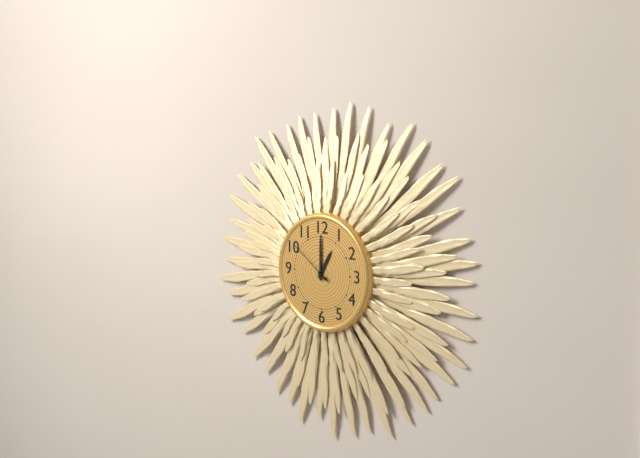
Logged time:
1:00:51
